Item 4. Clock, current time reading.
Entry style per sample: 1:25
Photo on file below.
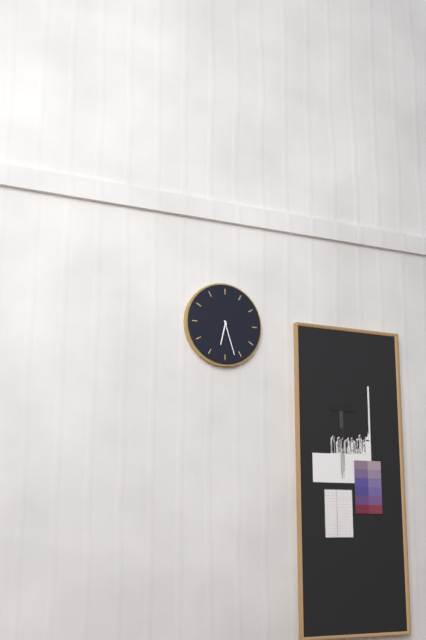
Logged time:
6:27
